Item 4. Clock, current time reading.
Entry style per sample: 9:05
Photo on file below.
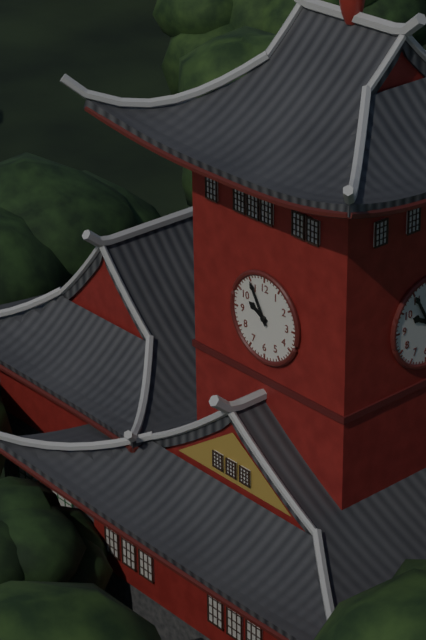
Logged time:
9:55
